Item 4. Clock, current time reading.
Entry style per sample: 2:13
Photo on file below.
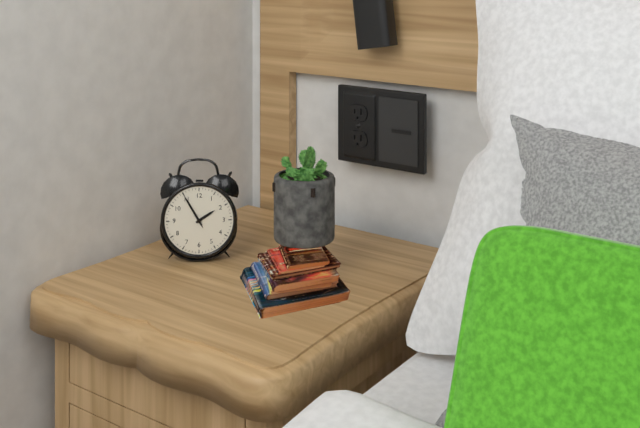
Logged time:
1:55
